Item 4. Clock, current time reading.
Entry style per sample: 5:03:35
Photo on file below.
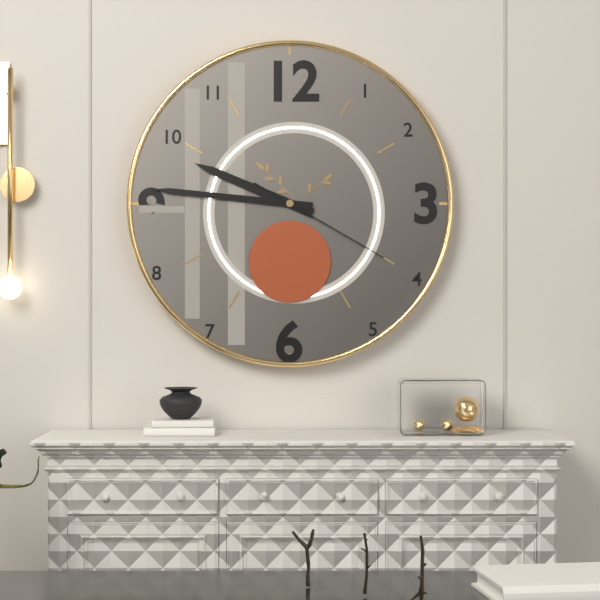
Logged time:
9:46:20
